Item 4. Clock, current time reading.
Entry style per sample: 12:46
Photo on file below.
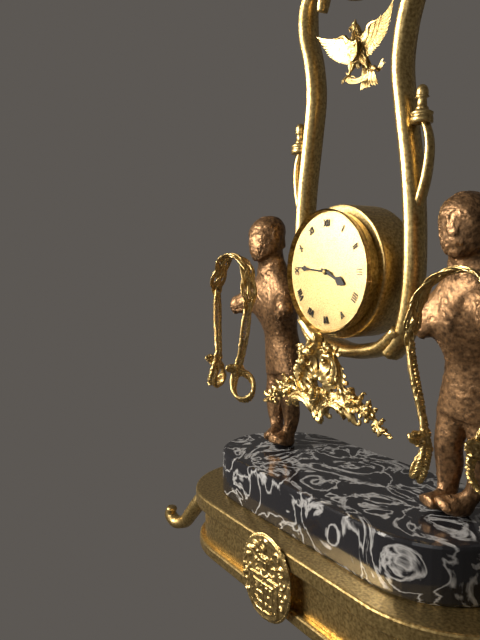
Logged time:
3:46
